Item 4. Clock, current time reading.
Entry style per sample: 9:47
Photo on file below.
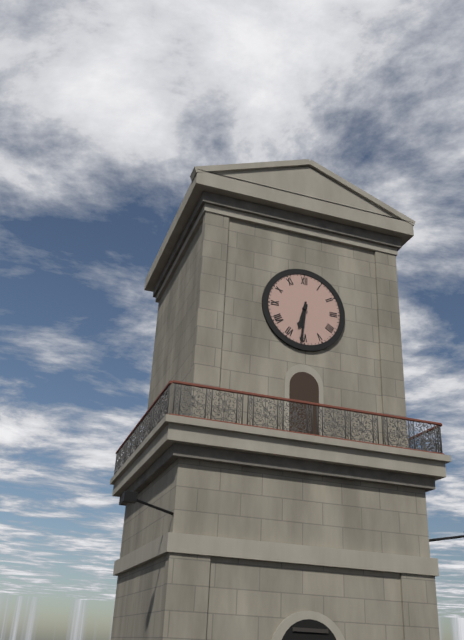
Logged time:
6:31
